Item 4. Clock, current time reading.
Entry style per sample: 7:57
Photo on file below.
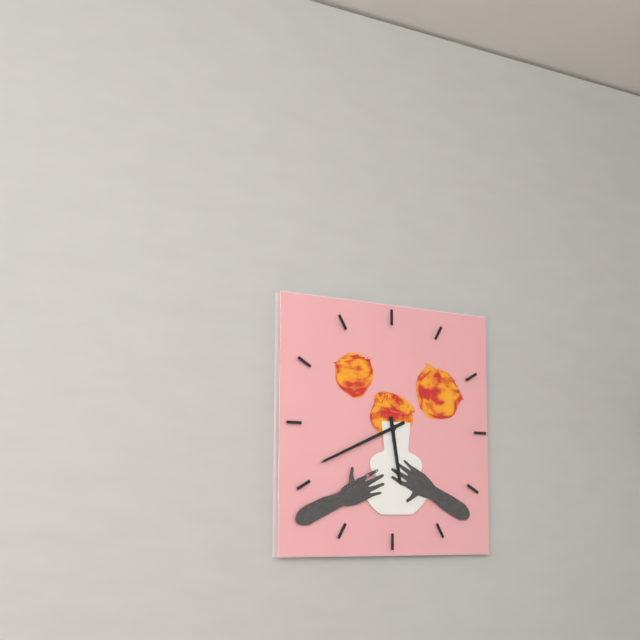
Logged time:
5:41
